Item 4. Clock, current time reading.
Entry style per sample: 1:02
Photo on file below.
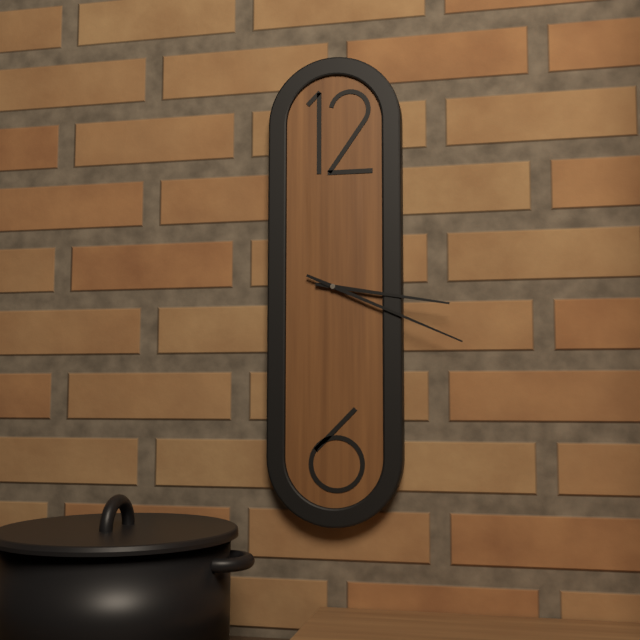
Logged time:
3:19
